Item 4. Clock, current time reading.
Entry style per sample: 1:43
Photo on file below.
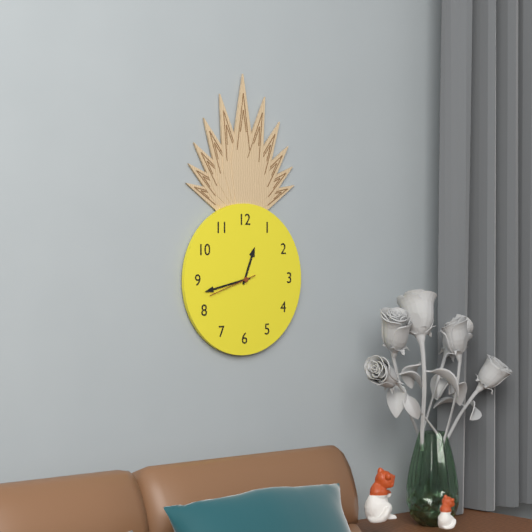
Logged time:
12:43
